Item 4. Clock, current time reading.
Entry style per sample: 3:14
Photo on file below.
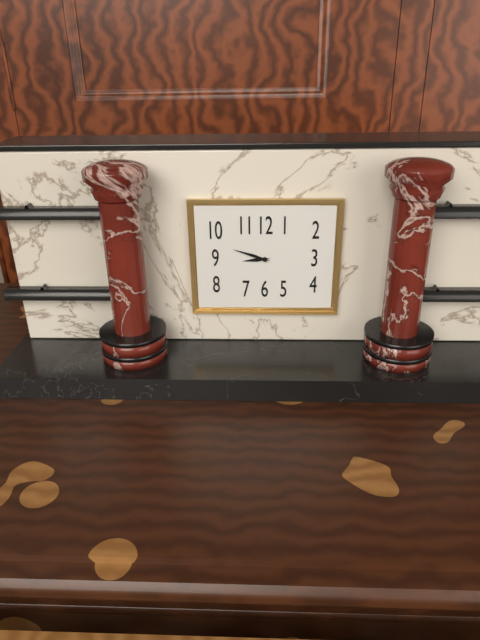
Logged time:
8:48
